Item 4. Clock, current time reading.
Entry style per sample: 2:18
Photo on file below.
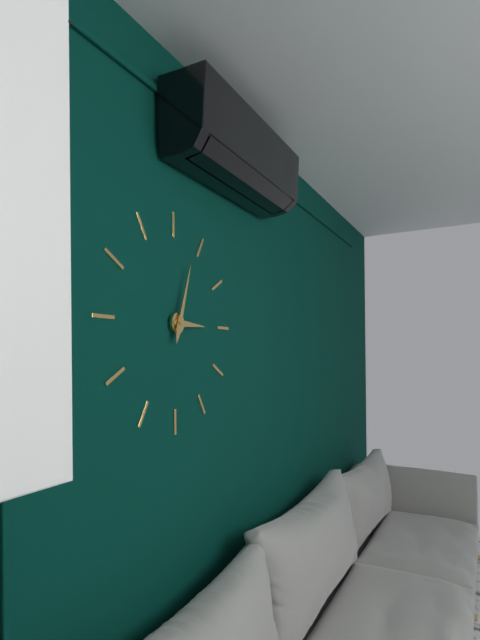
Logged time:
3:03
